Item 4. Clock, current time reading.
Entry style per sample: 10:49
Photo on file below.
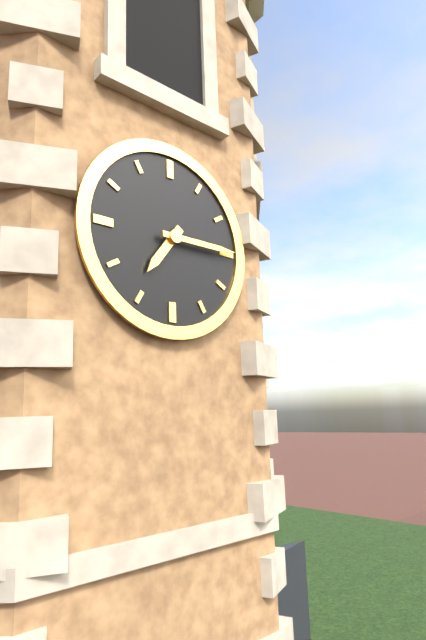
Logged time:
7:15
